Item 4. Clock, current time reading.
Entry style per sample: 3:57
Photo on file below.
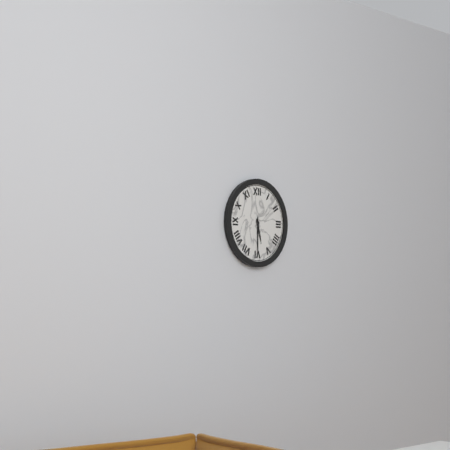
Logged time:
5:30
